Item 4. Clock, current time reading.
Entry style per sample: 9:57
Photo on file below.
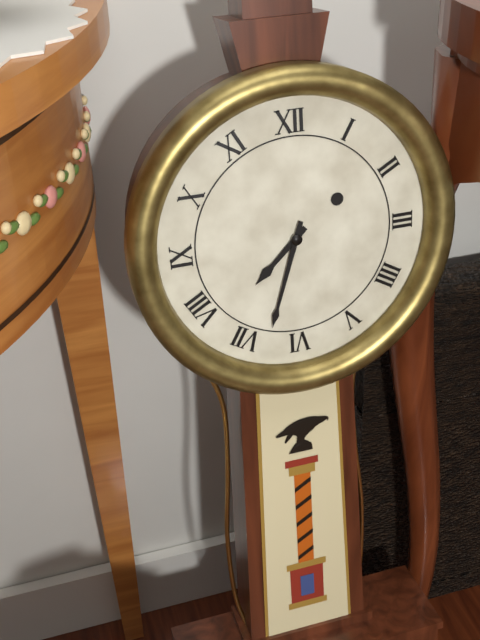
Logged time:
7:33
